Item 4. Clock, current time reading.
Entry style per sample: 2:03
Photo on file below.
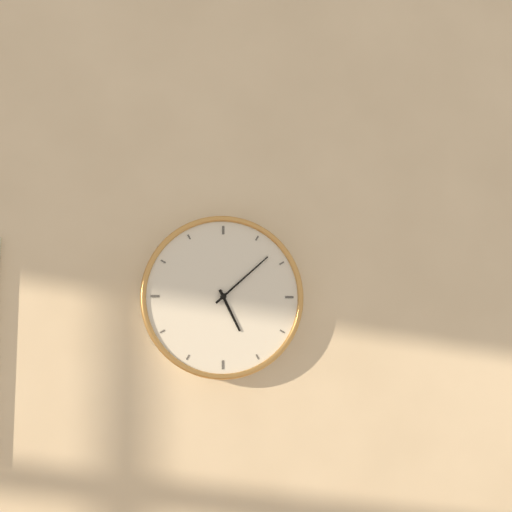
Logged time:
5:08
